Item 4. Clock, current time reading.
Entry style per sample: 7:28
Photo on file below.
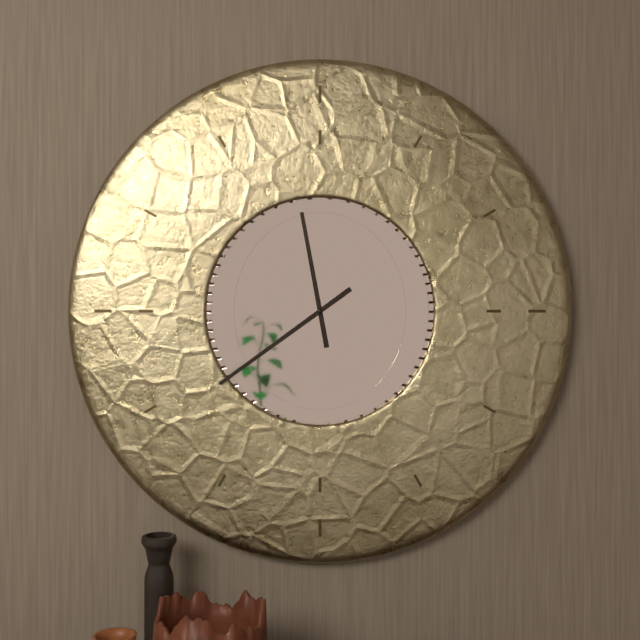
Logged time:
11:39
